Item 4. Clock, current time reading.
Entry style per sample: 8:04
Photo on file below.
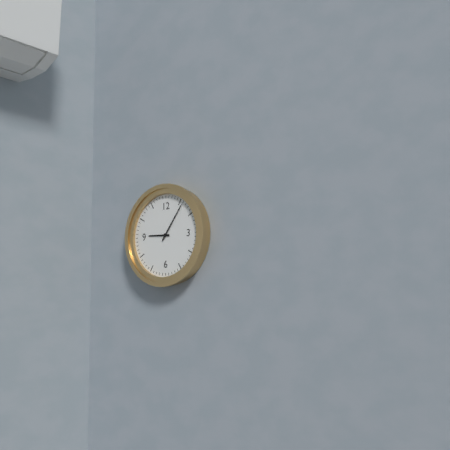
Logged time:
9:06
